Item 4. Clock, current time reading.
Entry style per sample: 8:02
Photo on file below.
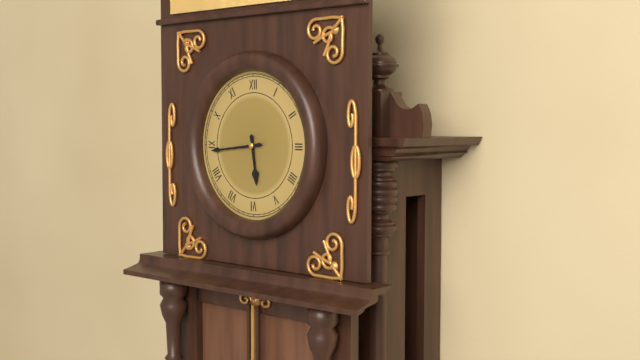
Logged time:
5:44
